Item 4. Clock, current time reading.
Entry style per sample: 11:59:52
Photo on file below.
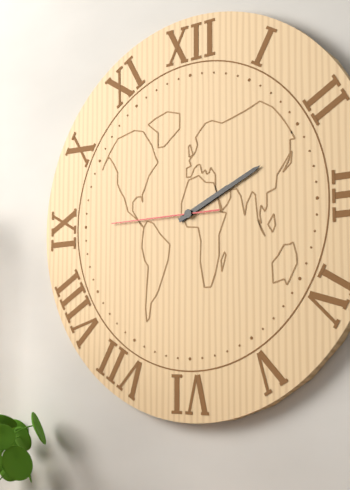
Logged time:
2:11:45
